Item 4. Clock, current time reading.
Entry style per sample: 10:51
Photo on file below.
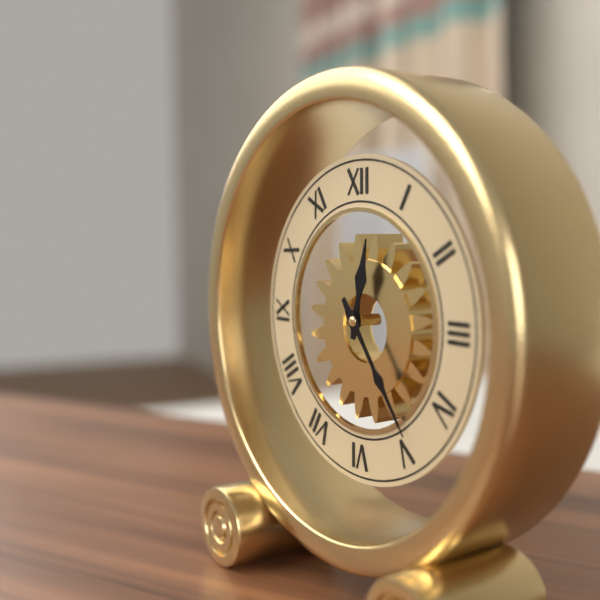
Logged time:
12:24
